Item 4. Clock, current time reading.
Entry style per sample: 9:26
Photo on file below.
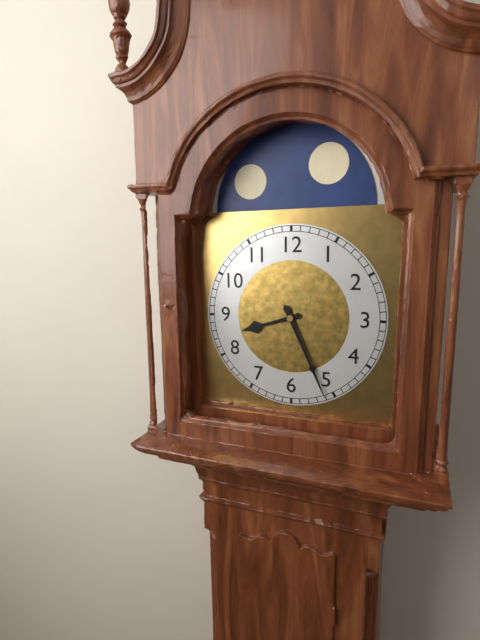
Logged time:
8:26
